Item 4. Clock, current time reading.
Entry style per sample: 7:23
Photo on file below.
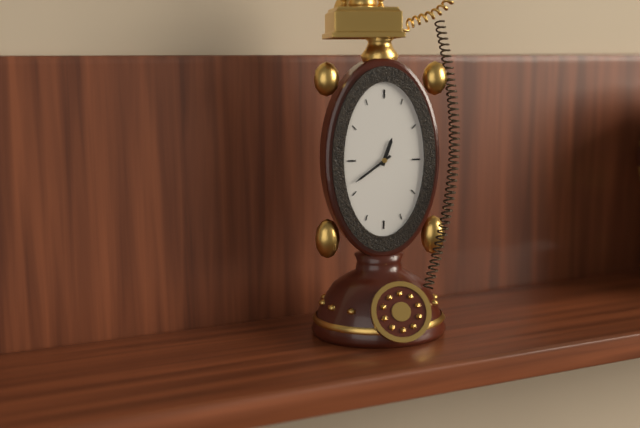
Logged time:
12:39
